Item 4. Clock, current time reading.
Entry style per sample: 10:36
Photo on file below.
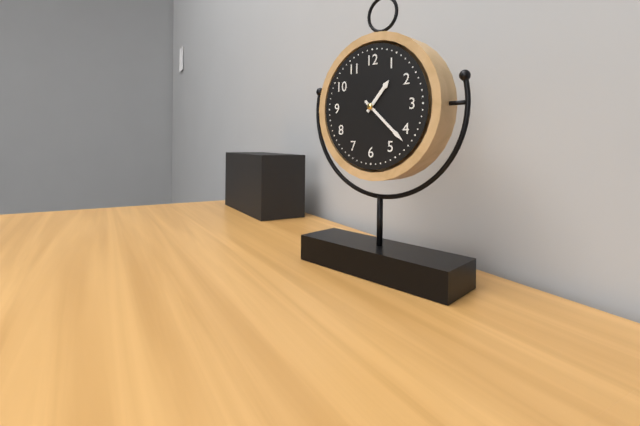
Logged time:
1:22
